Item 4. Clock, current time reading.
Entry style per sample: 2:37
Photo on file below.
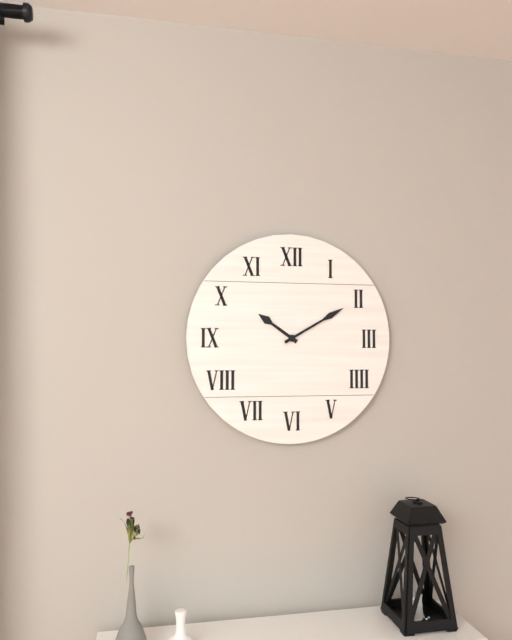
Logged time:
10:10
